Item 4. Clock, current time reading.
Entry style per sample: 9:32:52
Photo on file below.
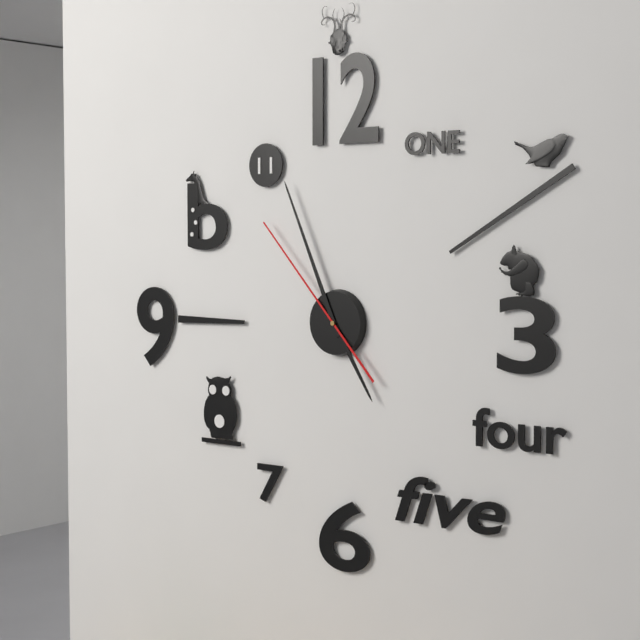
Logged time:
4:56:53
